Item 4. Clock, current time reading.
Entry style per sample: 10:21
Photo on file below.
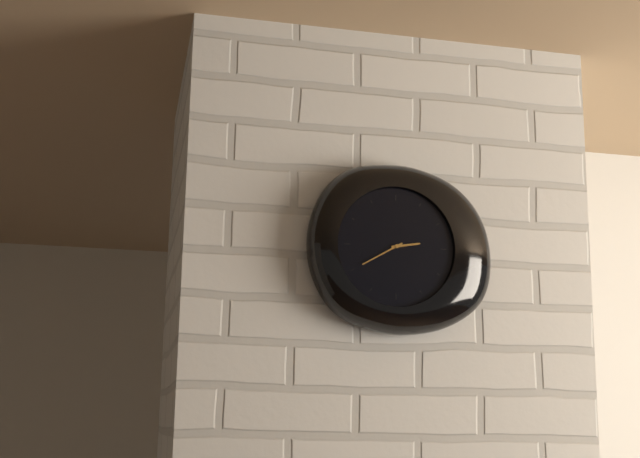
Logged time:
2:40
